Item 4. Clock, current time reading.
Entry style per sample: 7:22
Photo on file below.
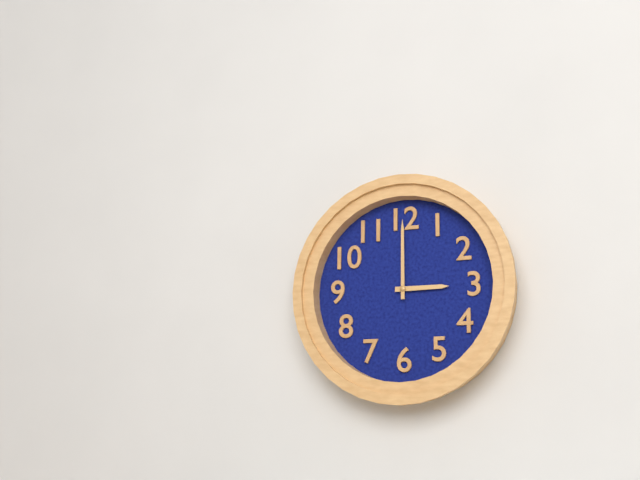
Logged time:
3:00
